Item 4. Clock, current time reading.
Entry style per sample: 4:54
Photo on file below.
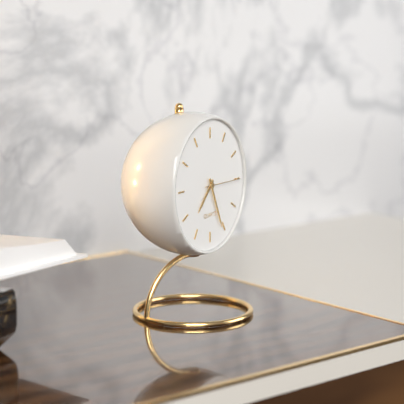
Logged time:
7:26
